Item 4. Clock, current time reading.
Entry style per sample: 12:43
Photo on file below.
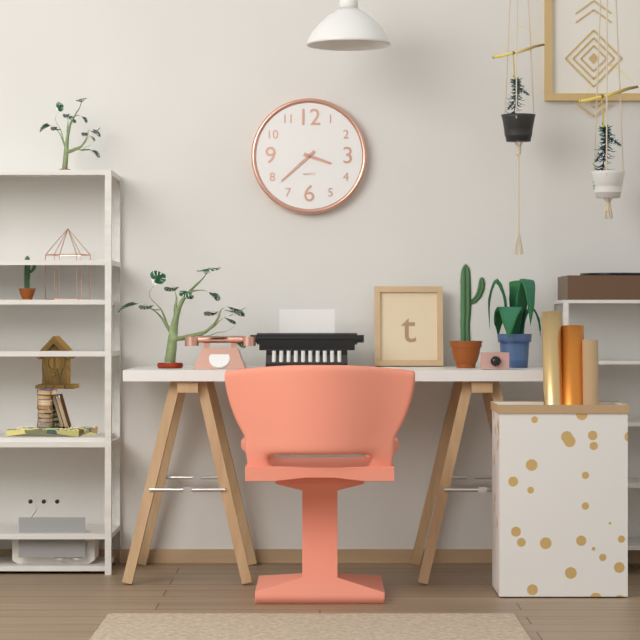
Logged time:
3:38
